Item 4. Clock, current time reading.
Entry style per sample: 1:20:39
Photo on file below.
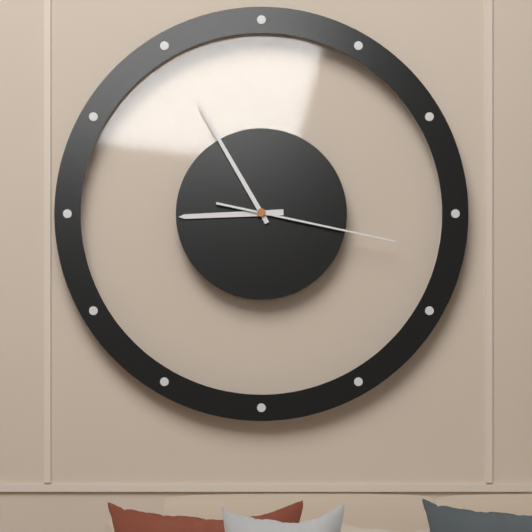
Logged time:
8:55:17
